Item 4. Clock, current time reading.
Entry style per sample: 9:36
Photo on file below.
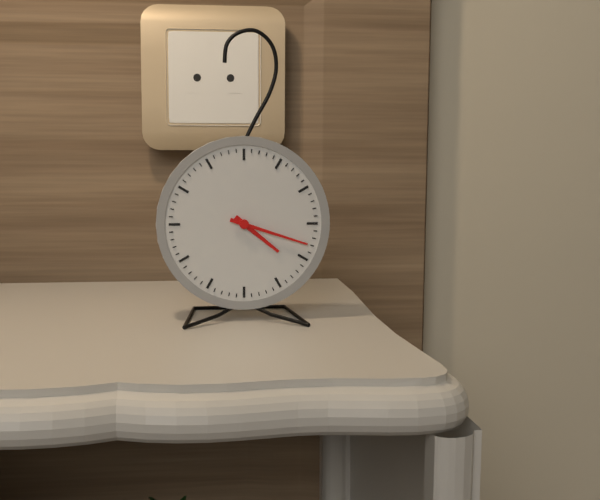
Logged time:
4:18
